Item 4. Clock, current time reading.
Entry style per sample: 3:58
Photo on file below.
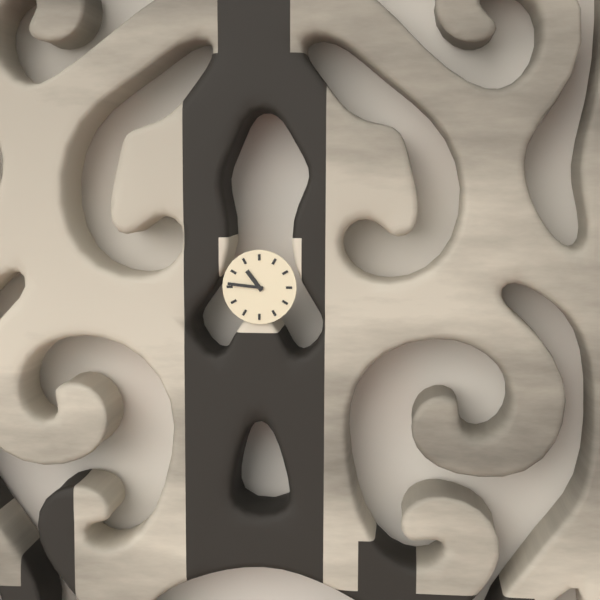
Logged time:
10:46
